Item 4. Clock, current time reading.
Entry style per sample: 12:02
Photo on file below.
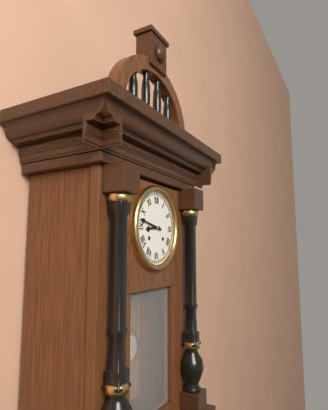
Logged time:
8:47
